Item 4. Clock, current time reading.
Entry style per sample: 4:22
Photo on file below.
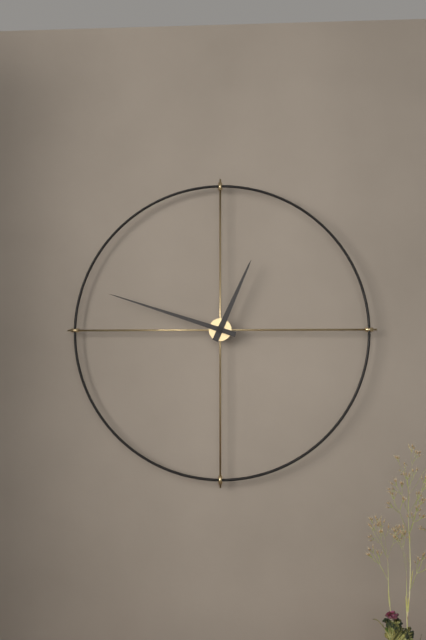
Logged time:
12:48
